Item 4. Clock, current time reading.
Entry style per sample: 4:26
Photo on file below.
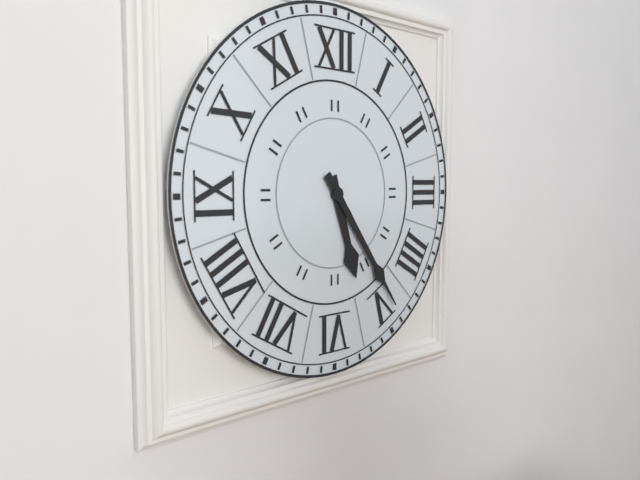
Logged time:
5:24
